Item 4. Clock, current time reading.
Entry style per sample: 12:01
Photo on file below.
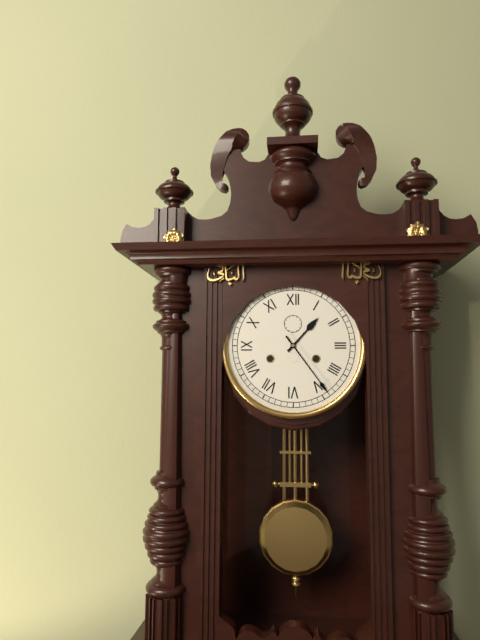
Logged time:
1:24
